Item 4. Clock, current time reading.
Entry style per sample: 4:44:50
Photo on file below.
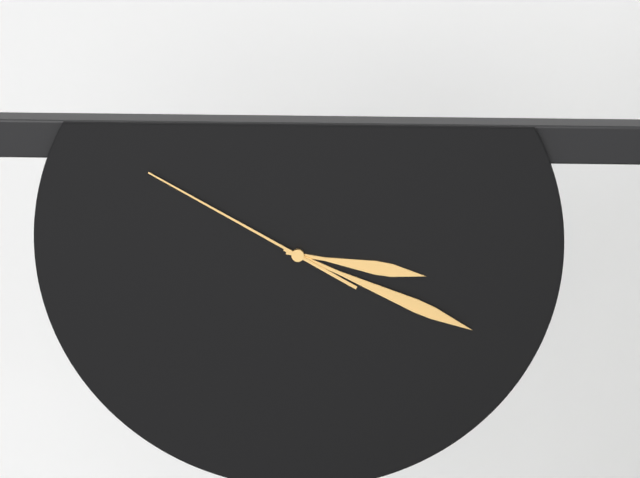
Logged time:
3:19:50
